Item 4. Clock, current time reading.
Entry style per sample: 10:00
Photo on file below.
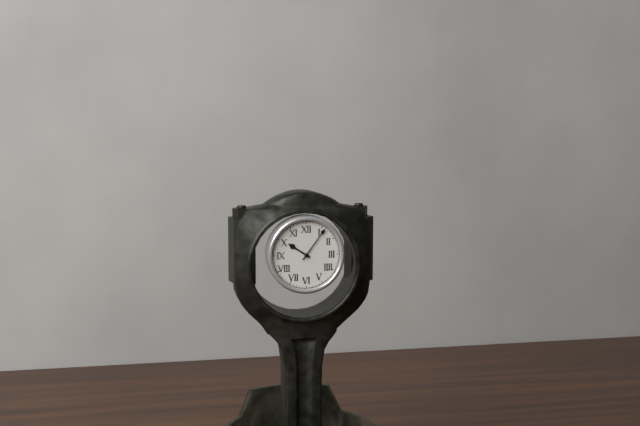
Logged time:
10:06
